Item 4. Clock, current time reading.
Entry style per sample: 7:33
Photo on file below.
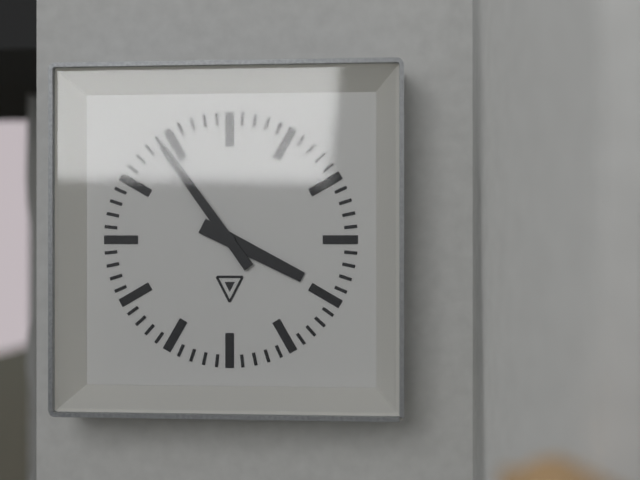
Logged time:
3:54
